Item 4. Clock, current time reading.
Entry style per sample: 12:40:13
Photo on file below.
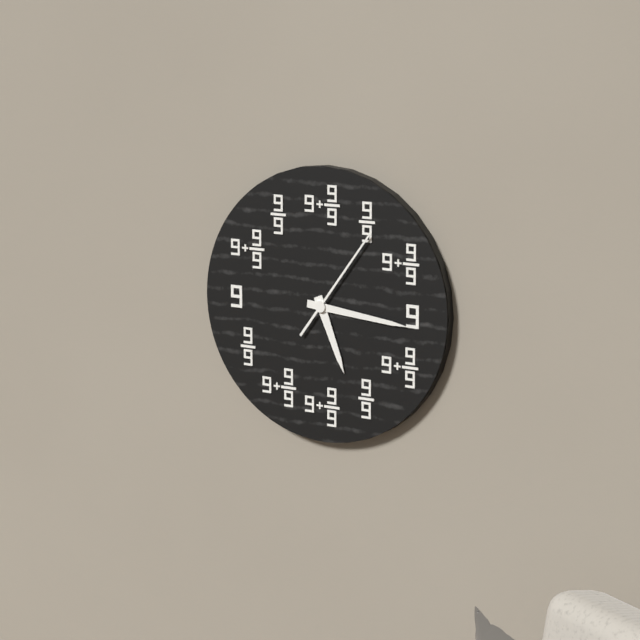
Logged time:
5:16:06
